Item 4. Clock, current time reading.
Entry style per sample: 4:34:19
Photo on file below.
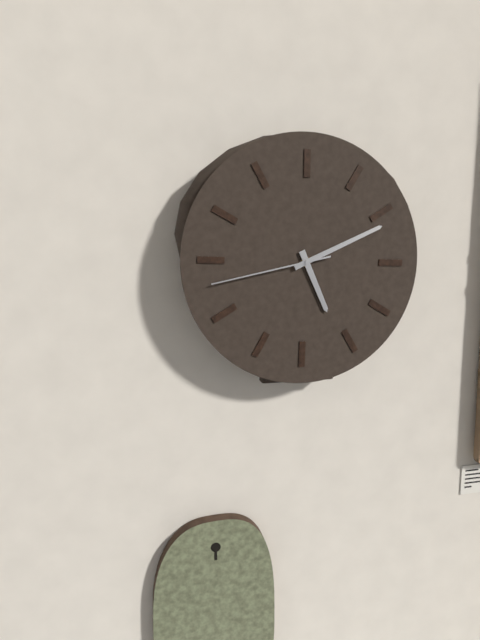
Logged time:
5:11:43
